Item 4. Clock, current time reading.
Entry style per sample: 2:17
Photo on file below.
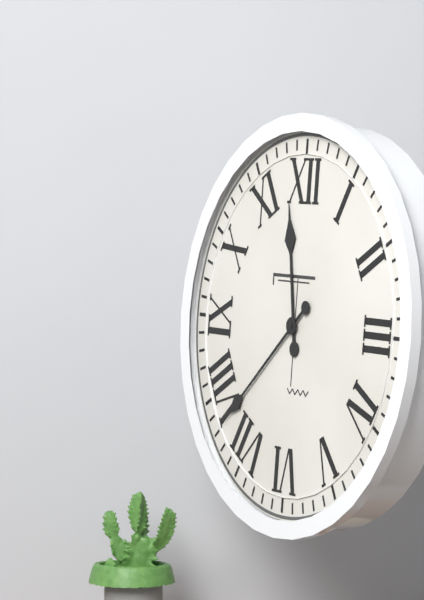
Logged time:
11:38
